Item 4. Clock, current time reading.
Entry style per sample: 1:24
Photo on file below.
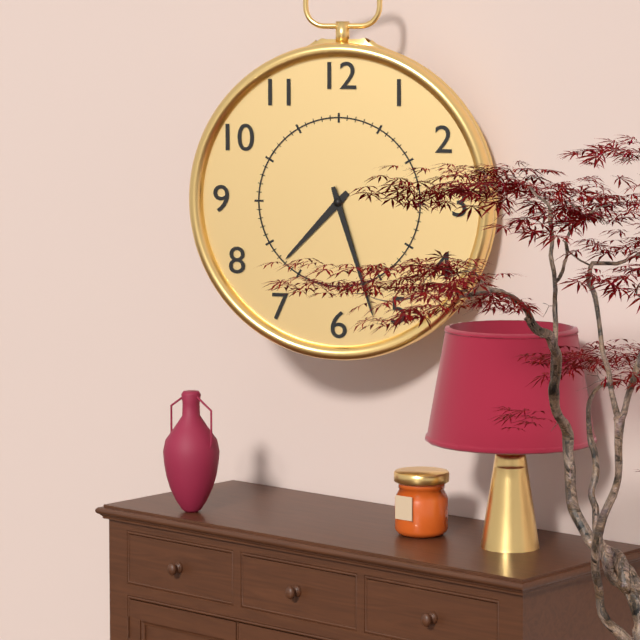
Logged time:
7:27
